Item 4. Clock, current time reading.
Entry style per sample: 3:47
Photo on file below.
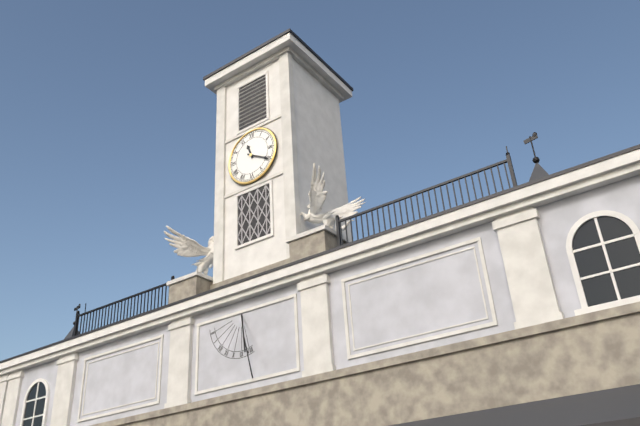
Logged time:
11:20
